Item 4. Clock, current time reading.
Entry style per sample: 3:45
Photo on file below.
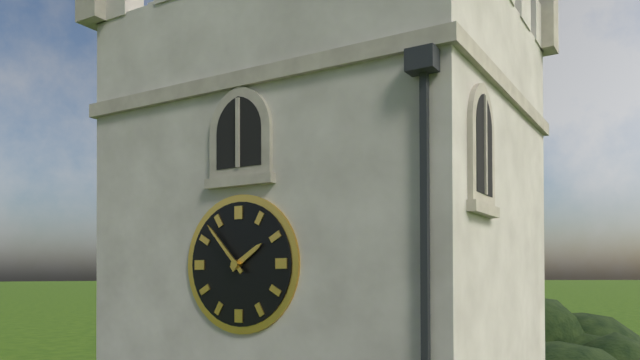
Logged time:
1:53
